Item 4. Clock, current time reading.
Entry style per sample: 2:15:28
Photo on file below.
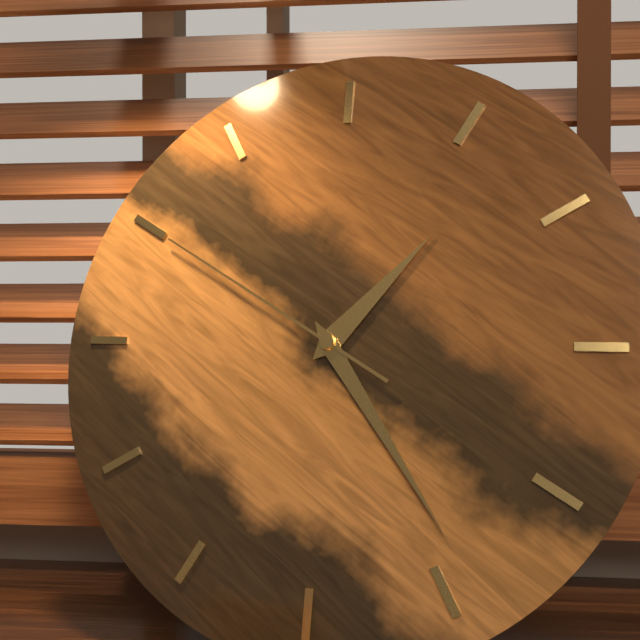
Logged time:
1:24:50
